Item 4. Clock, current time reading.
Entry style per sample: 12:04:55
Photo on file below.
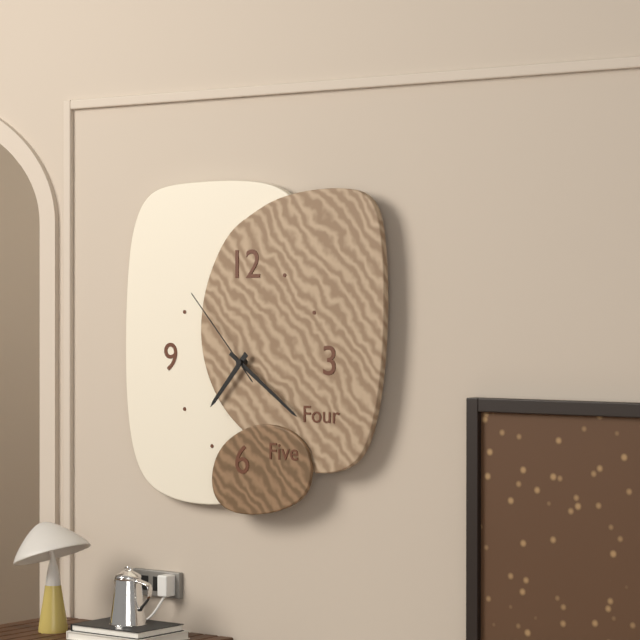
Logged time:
7:21:53
